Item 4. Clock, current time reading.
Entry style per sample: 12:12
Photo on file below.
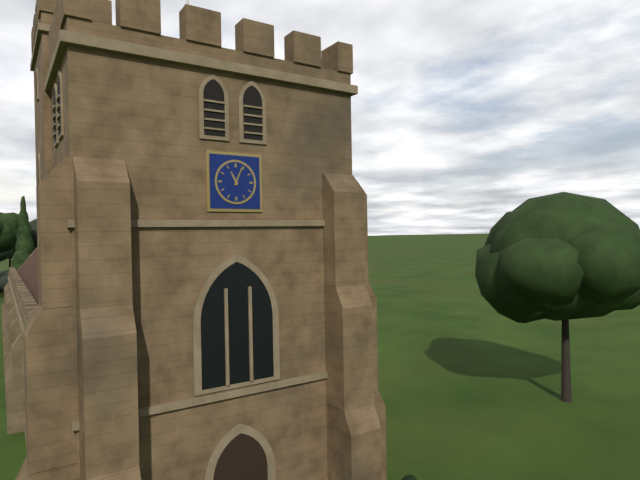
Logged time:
11:04
